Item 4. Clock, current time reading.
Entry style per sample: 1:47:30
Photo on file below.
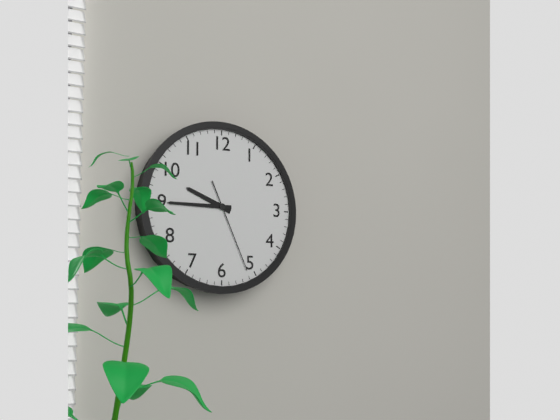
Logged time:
9:45:26
